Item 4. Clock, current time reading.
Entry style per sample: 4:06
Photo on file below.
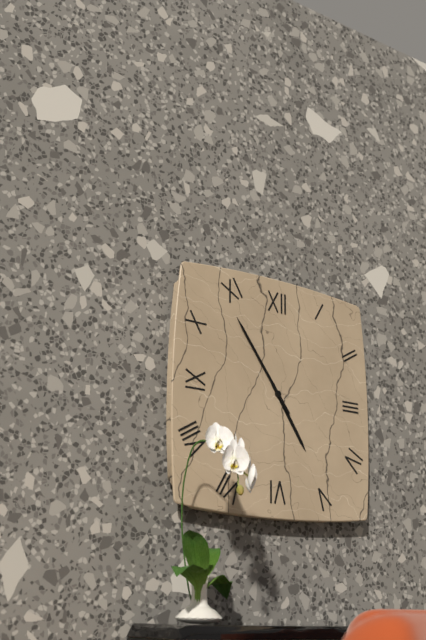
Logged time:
4:54
